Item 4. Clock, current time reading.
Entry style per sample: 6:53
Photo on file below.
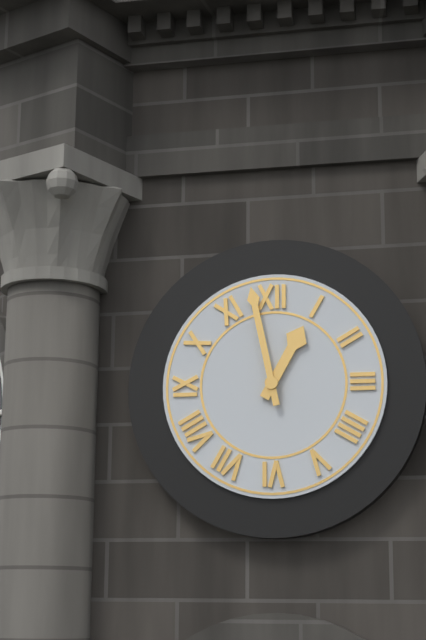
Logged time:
12:58
